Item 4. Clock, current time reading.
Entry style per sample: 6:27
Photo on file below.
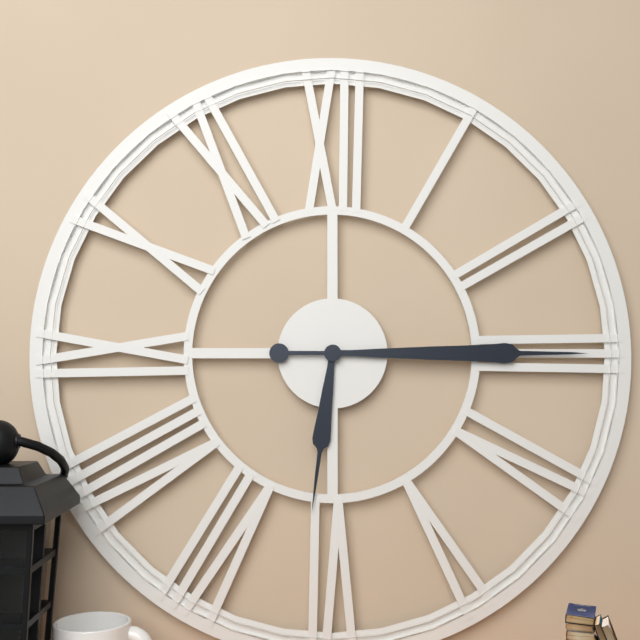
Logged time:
6:15
